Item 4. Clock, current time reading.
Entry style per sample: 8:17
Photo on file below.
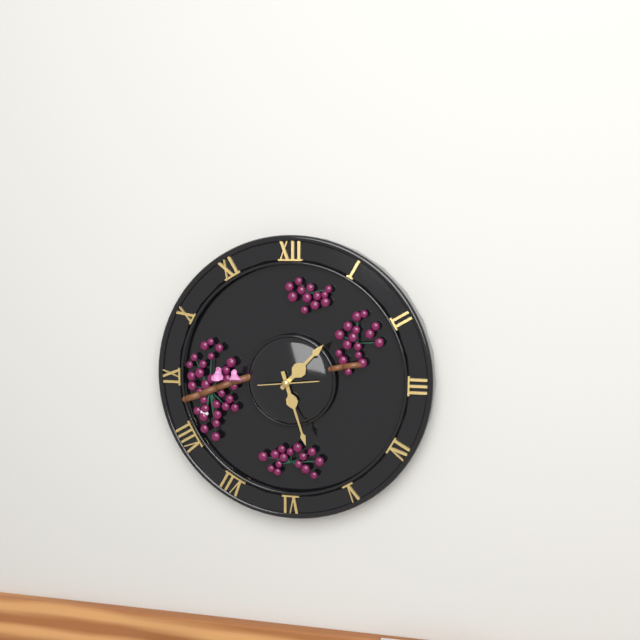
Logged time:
1:27
